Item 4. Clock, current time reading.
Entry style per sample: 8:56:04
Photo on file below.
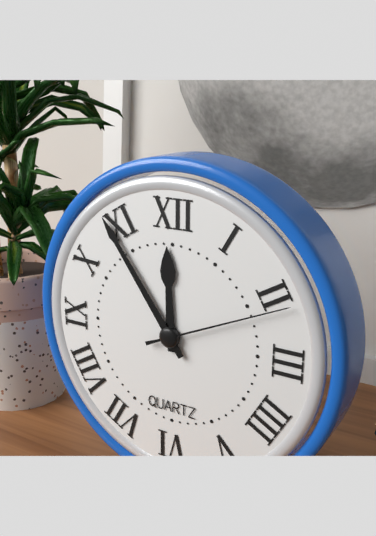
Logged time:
11:54:11
